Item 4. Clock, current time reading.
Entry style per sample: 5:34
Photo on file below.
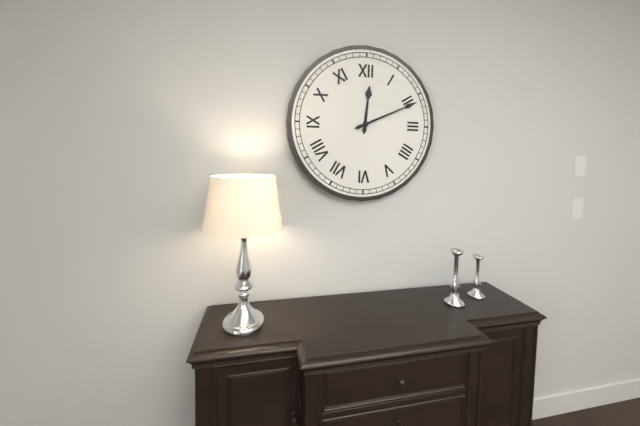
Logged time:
12:11
